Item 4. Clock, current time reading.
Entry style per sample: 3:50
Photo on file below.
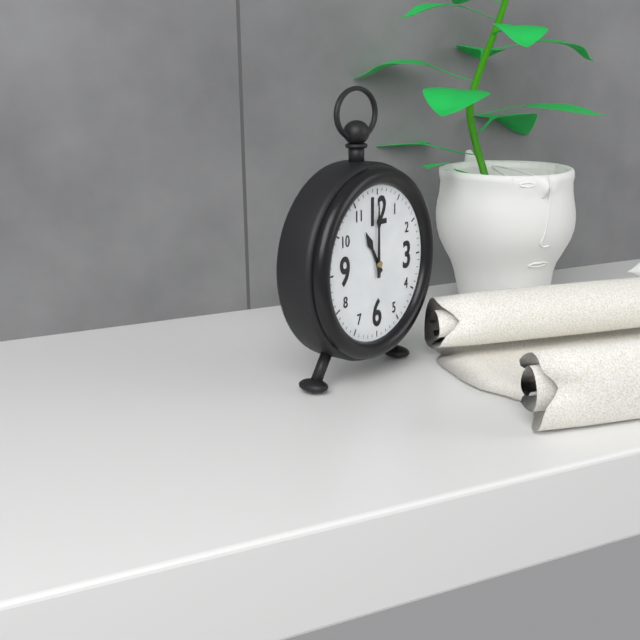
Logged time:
11:00
